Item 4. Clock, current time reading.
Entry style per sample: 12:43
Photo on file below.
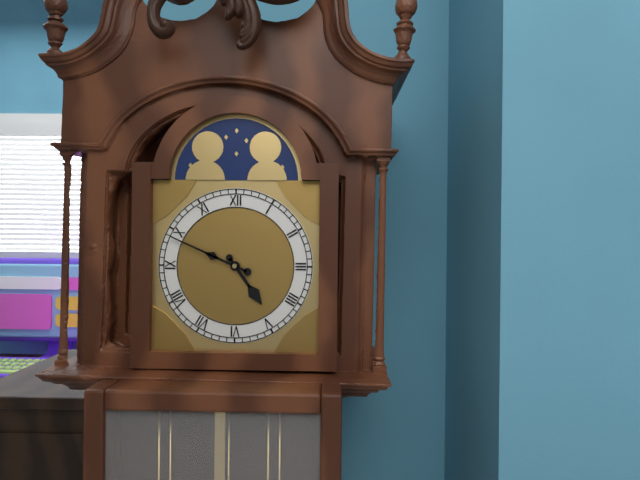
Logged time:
4:49
